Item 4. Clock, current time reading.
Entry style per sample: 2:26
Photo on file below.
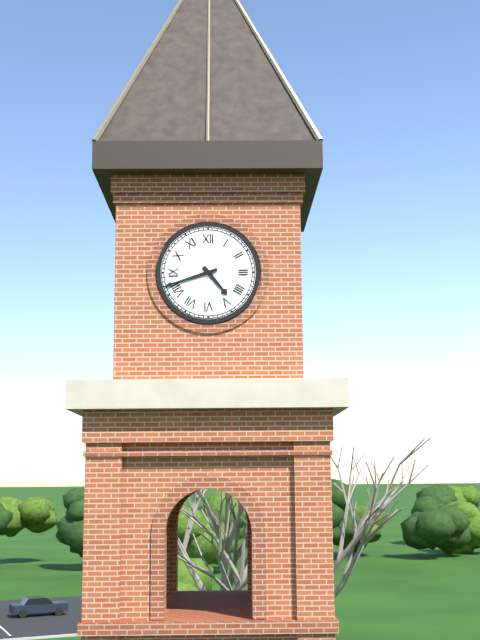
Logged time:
4:42
